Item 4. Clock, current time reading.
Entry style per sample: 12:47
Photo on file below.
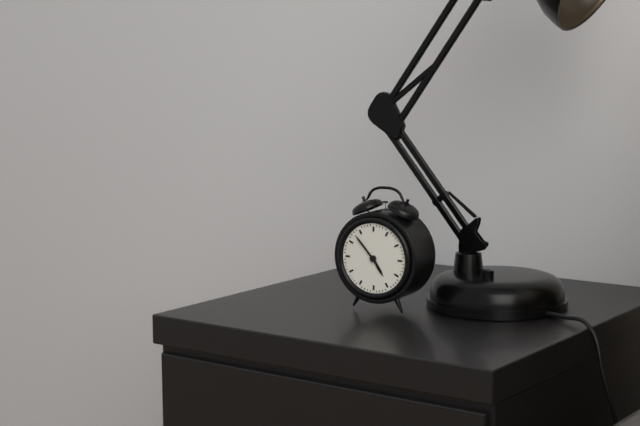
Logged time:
4:53
